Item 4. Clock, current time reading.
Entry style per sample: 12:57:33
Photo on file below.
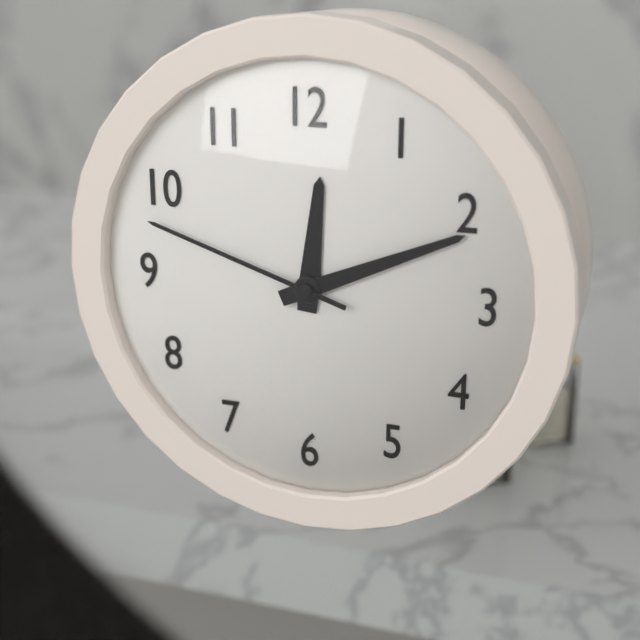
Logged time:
12:11:48
